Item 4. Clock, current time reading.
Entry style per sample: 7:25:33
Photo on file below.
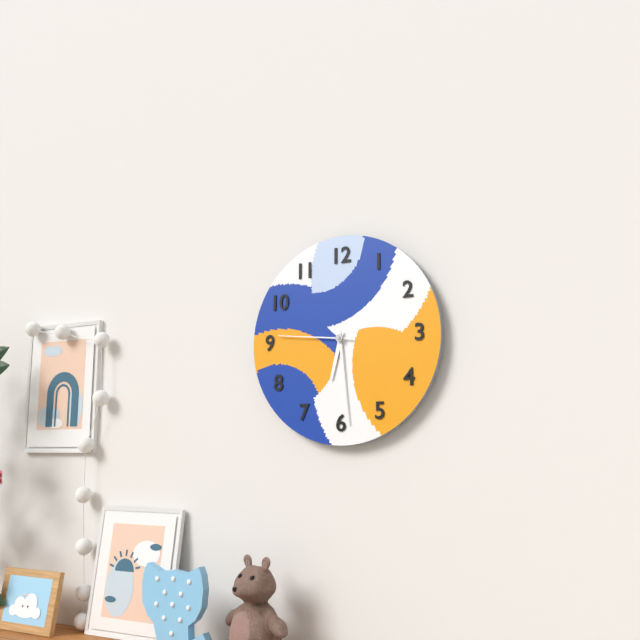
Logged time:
6:29:46
